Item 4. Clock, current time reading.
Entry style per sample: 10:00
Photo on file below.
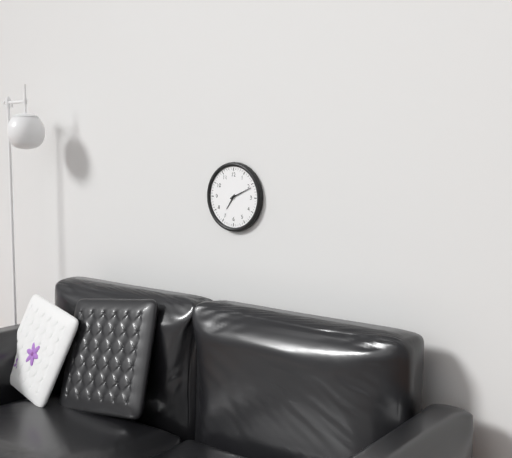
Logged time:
7:11
